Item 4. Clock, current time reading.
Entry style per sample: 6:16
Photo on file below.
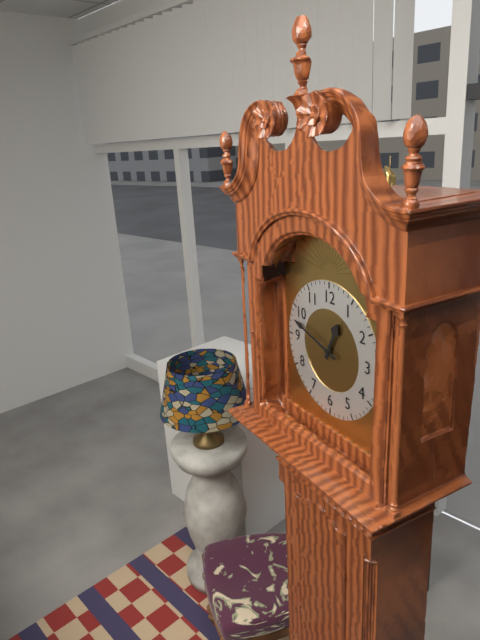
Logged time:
12:48
